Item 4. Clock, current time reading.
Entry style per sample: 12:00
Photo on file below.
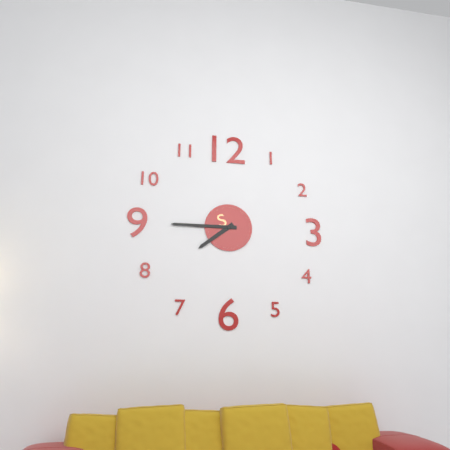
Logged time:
7:45
